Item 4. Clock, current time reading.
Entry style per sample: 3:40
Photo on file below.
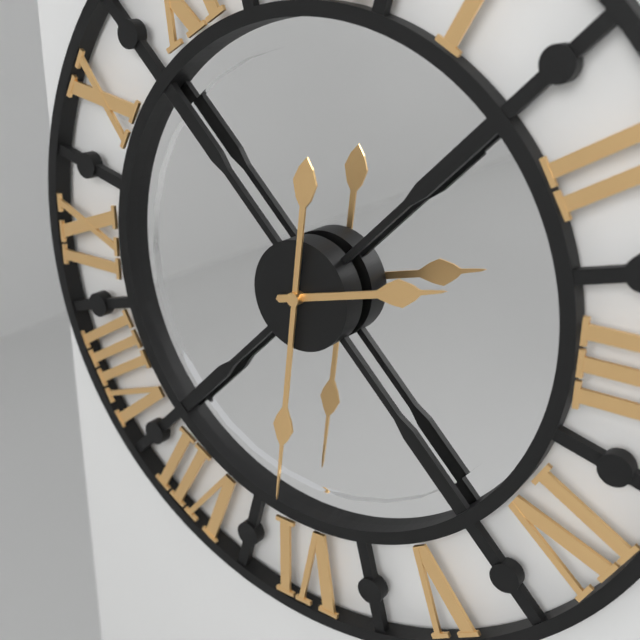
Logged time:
2:31
